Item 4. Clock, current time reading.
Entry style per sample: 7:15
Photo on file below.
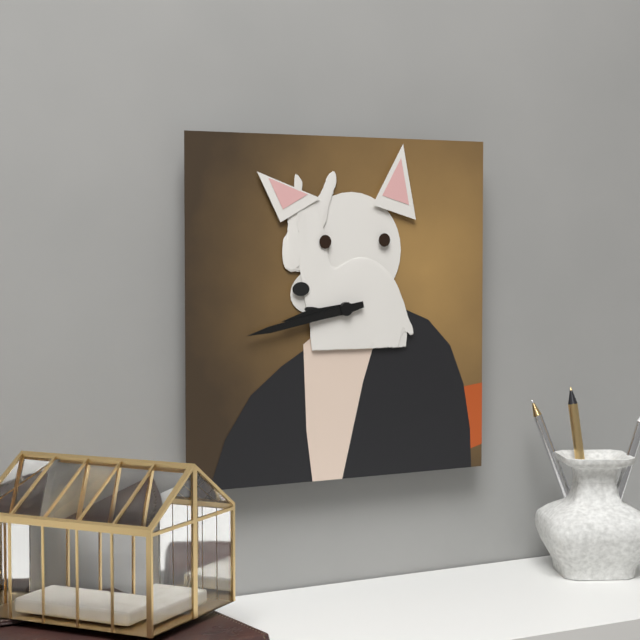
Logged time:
8:43
